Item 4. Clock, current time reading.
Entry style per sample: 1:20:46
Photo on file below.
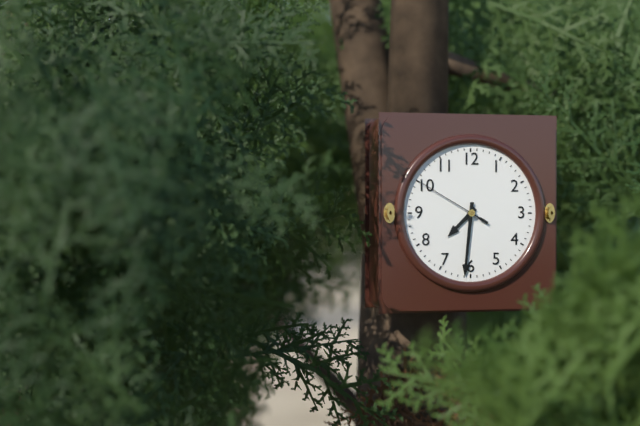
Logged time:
7:31:50
